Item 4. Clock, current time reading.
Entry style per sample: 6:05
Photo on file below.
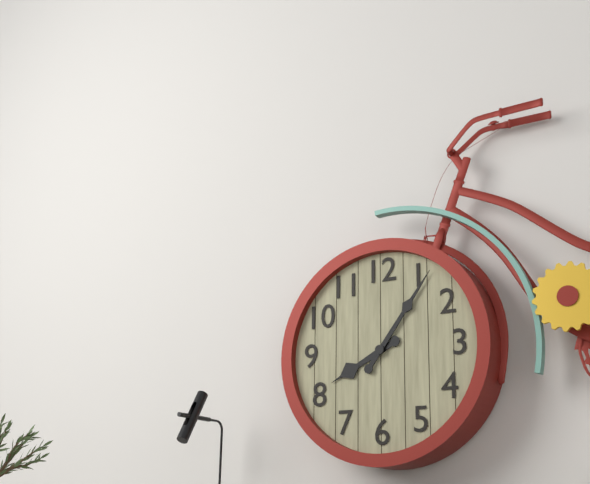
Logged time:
8:06
